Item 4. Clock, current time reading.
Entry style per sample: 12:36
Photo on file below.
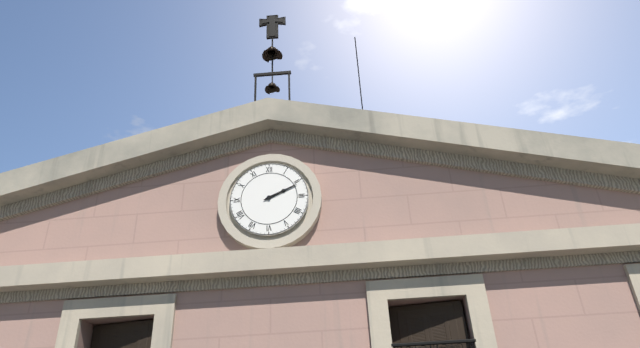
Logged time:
2:11
